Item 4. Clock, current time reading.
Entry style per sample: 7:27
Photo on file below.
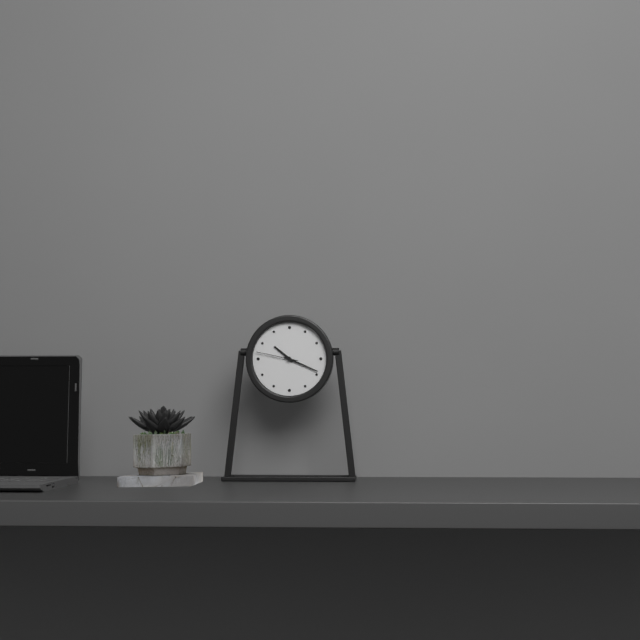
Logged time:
10:19
